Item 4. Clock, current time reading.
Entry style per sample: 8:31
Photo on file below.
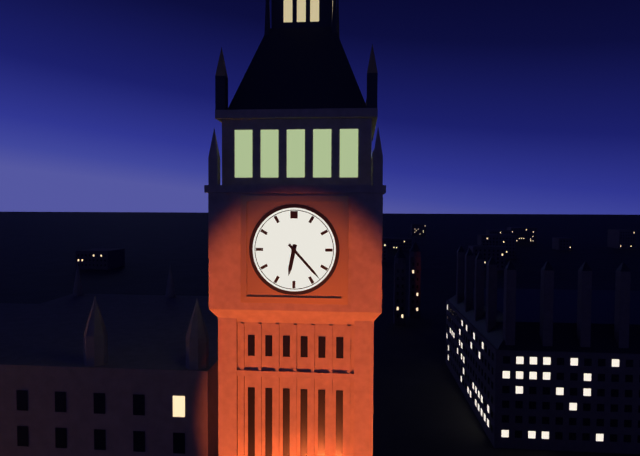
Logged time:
6:23
